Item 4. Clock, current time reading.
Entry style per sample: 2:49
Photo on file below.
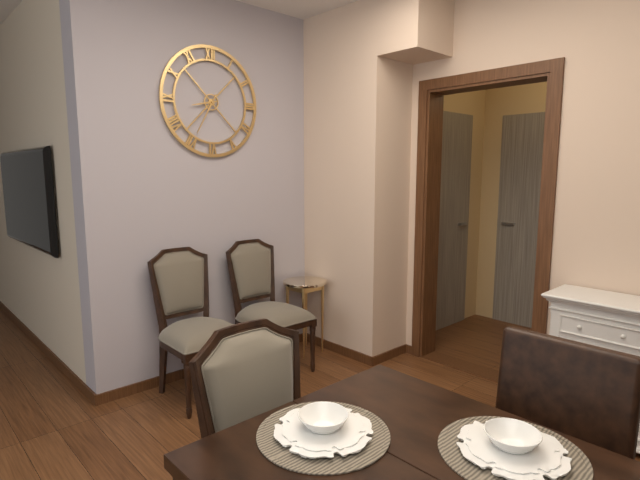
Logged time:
8:35
